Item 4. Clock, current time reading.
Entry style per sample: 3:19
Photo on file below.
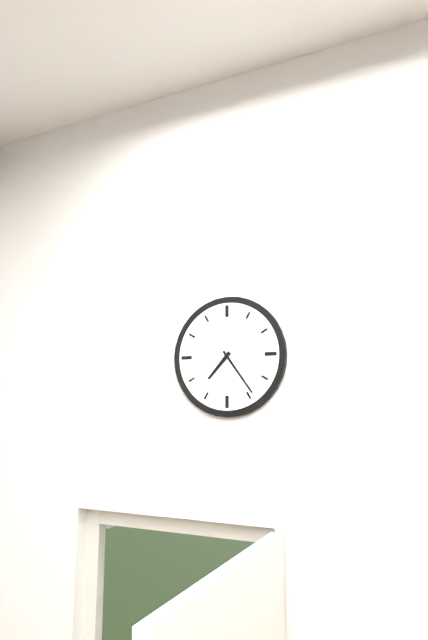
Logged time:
7:24
